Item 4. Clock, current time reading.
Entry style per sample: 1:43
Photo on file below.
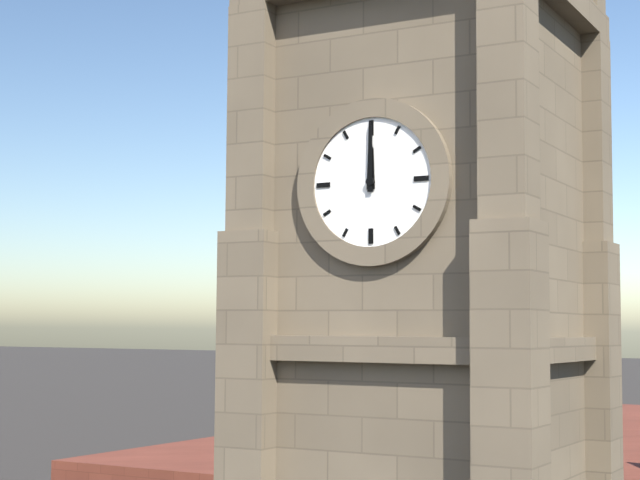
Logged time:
12:00
